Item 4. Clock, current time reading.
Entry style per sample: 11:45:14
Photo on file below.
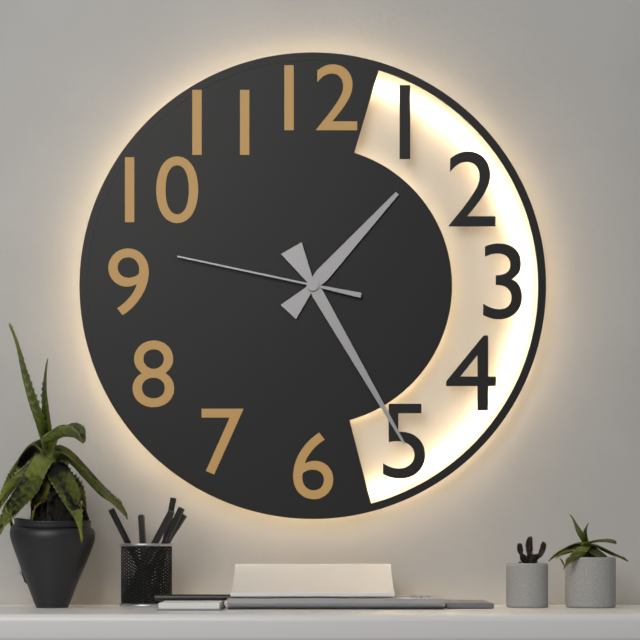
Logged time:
1:25:47
